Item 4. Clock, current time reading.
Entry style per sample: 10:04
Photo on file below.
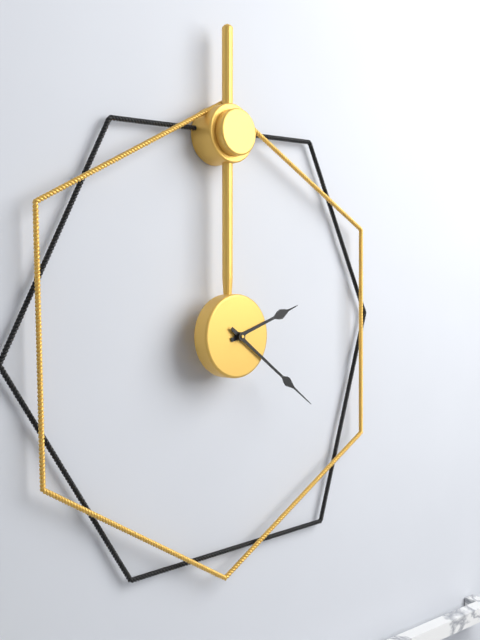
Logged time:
2:21
